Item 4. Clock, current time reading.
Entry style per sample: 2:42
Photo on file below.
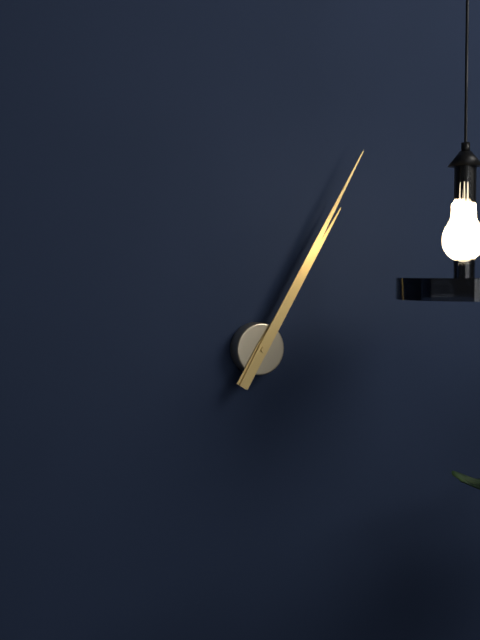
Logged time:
1:05
